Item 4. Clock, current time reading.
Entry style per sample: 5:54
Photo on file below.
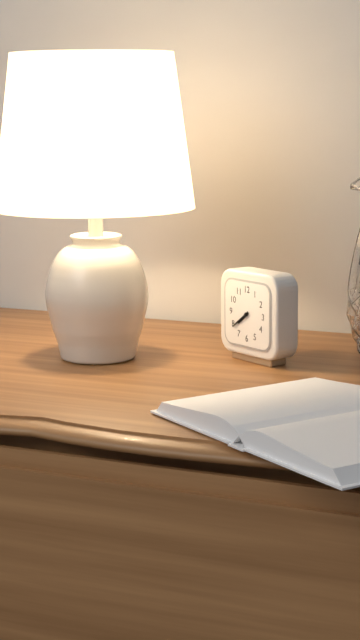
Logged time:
7:39
